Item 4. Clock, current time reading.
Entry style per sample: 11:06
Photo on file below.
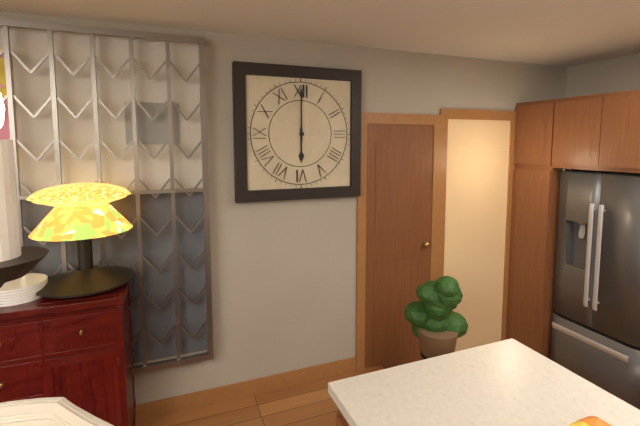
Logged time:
6:00
